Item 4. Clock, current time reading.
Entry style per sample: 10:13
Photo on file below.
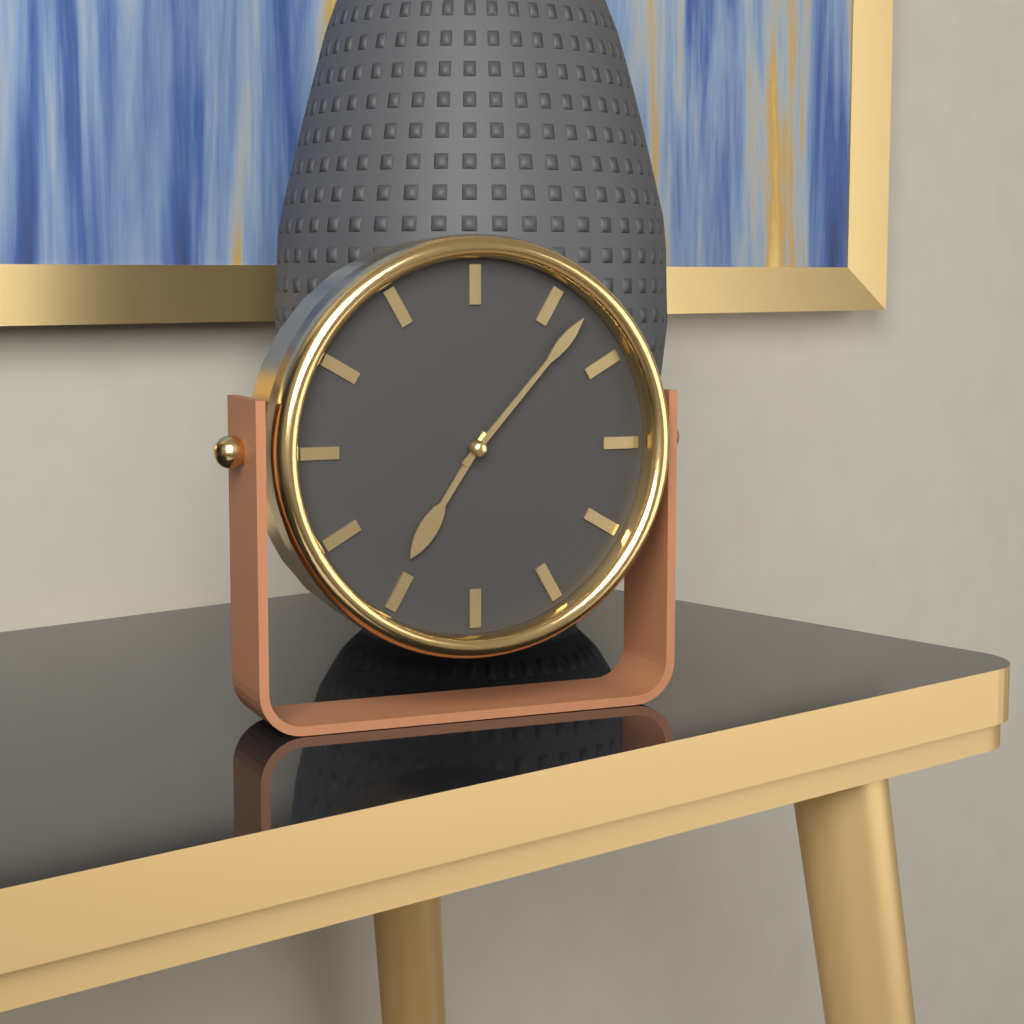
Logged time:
7:07
